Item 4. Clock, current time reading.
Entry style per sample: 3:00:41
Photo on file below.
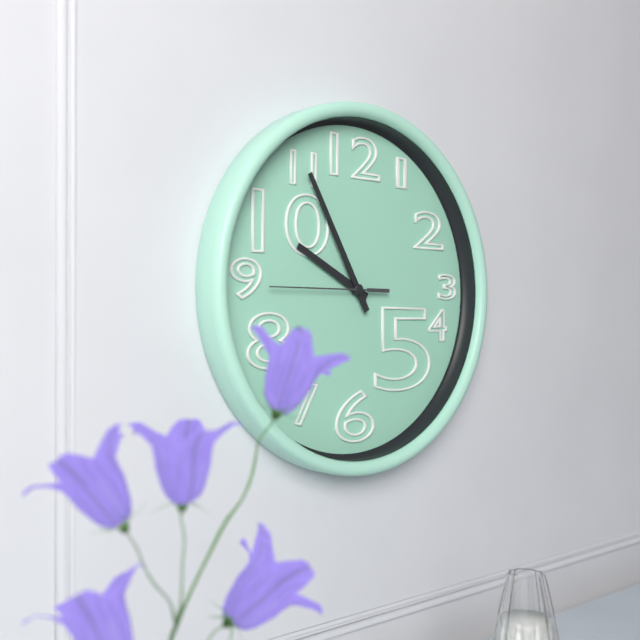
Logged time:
9:55:45
